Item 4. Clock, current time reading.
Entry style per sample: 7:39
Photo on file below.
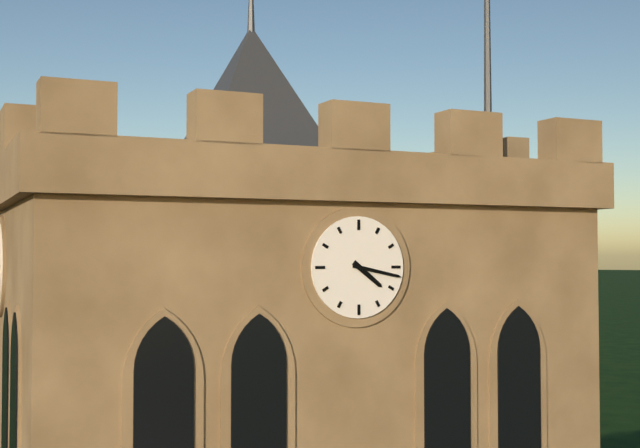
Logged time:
4:17
